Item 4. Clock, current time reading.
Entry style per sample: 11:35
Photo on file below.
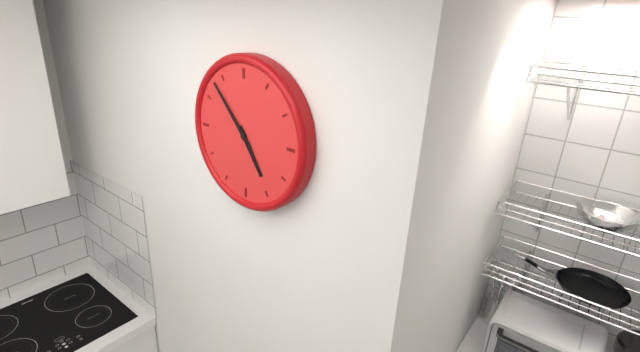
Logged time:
4:53
